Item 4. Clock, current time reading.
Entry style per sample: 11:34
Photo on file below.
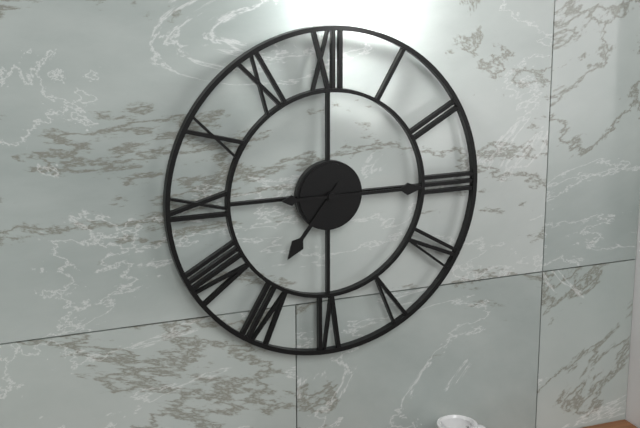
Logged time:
7:15
